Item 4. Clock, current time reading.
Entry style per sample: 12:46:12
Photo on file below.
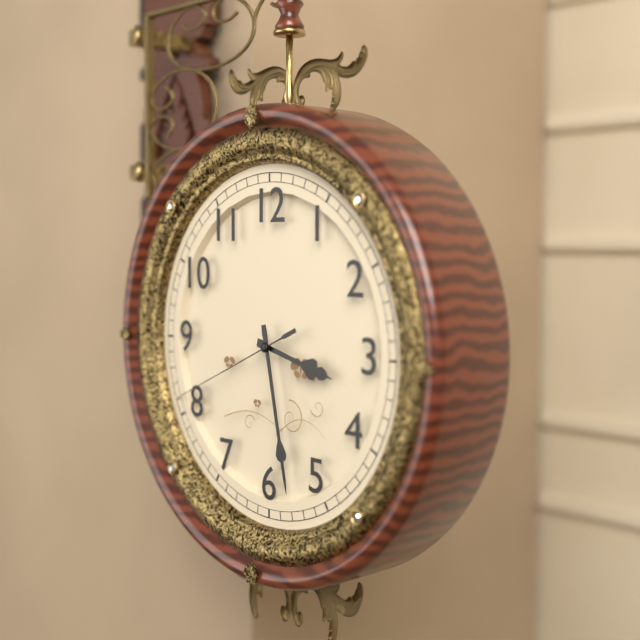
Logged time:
3:28:41
